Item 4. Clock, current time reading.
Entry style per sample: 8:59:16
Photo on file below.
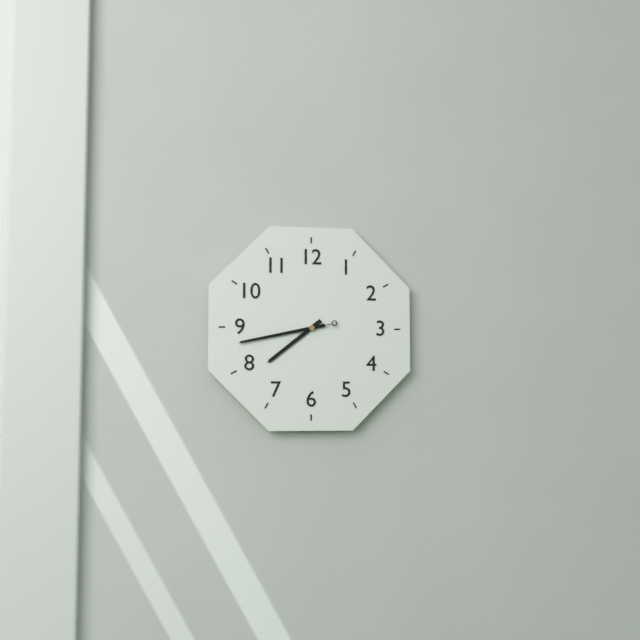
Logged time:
7:43:43
